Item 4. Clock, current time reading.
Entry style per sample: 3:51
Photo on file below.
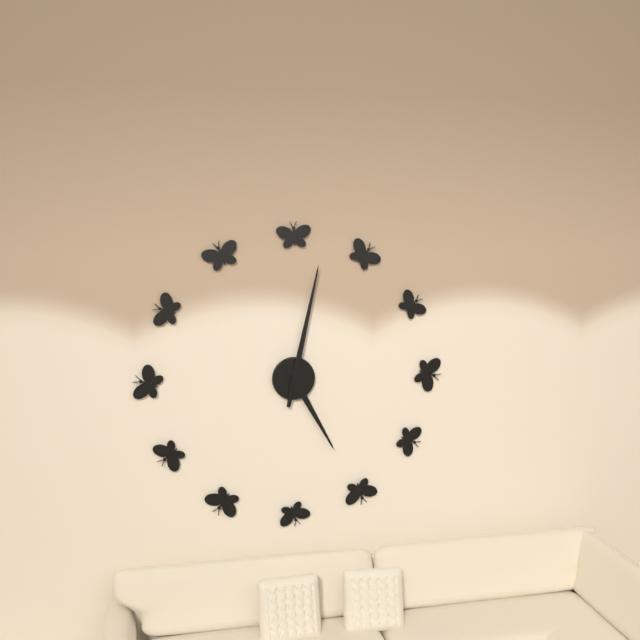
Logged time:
5:02
